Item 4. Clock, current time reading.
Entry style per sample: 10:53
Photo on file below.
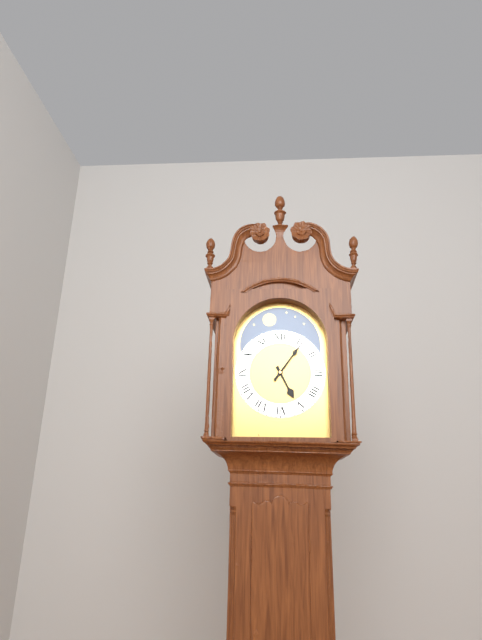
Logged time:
5:06
